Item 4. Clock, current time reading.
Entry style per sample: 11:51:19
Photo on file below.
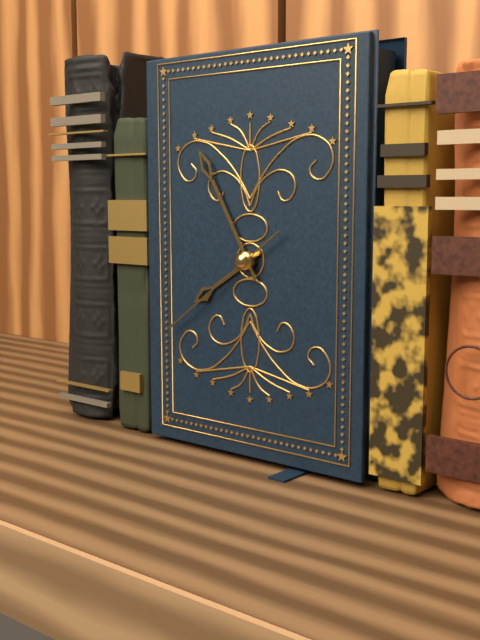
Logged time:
7:55:39
